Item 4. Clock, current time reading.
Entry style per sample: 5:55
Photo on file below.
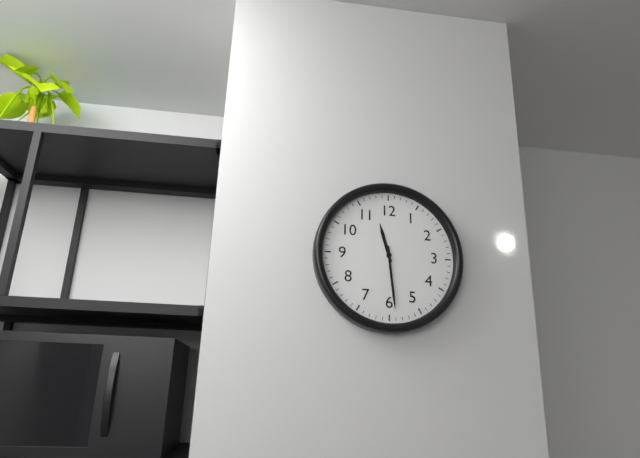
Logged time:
11:29
